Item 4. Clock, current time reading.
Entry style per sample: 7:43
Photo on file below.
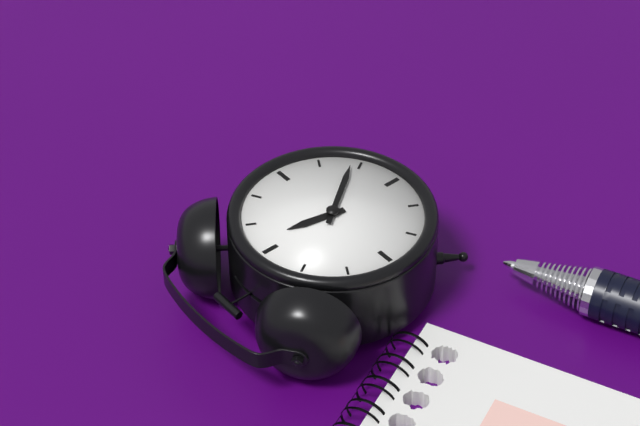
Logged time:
12:24
